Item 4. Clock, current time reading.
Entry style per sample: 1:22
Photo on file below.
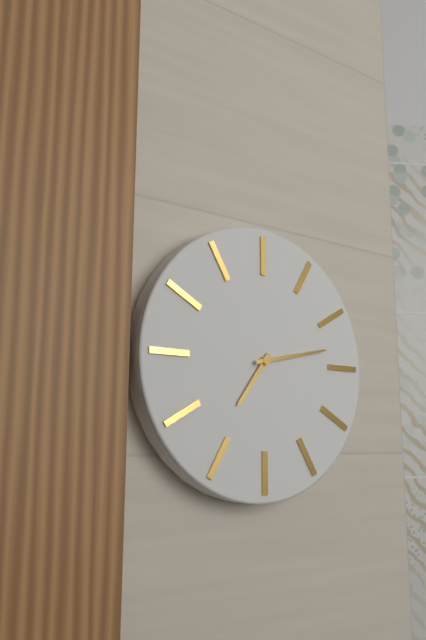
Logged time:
7:13
